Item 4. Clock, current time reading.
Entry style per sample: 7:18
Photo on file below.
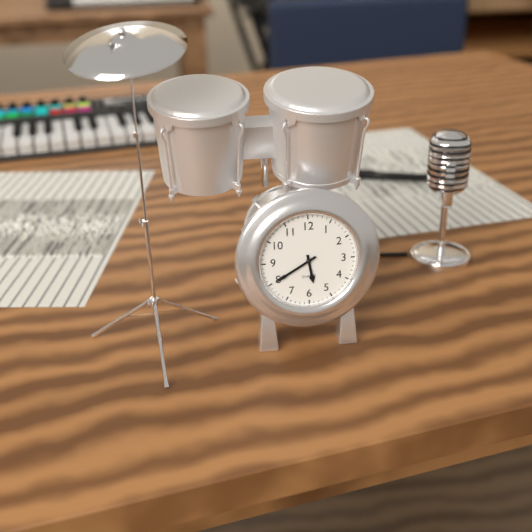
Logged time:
5:40
